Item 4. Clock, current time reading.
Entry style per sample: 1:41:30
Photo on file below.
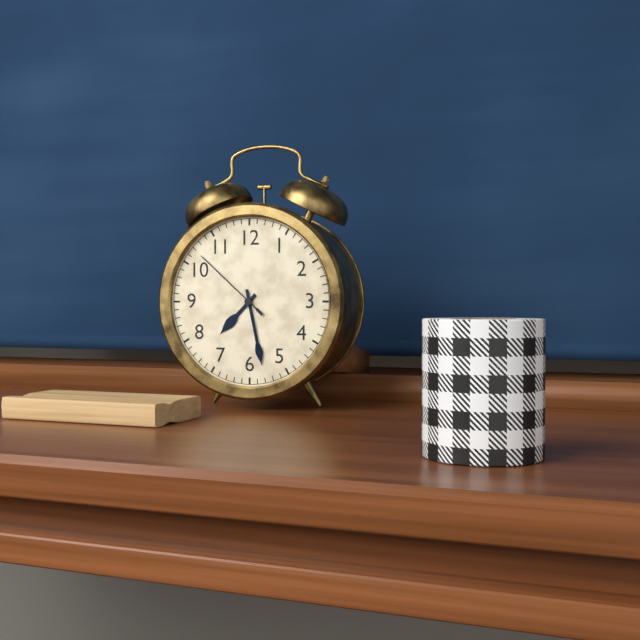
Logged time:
7:28:52
